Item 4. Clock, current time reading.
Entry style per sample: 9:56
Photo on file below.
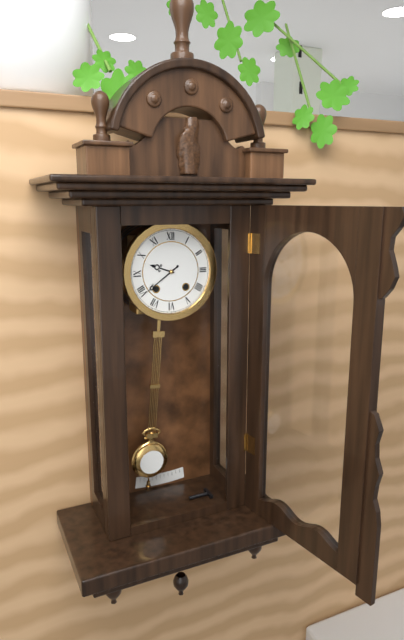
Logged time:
9:39
